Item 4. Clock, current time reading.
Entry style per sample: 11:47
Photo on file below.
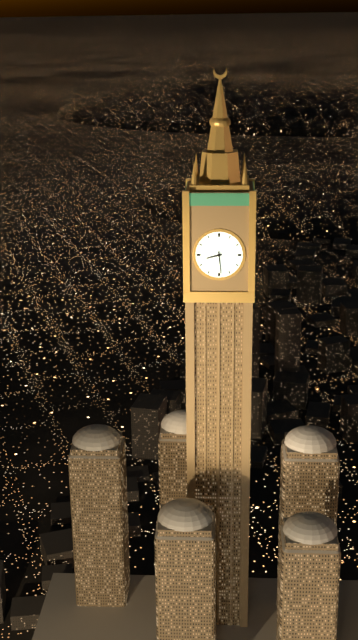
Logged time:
8:29
